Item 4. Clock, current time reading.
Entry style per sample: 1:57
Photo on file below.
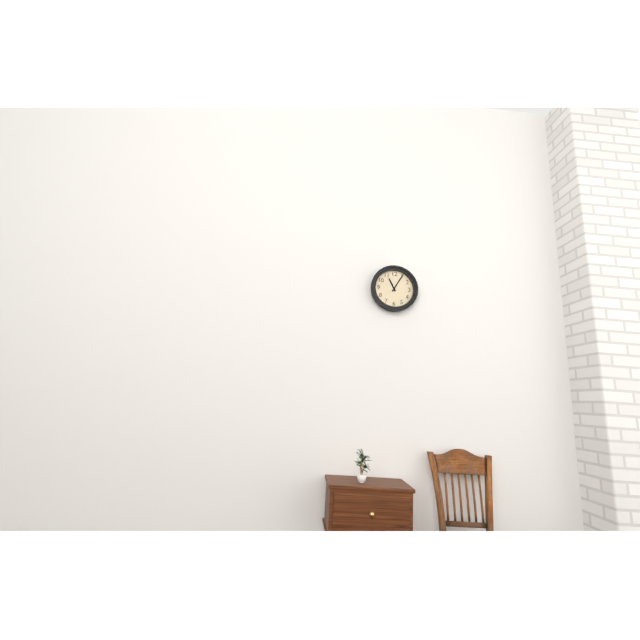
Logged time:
11:05
